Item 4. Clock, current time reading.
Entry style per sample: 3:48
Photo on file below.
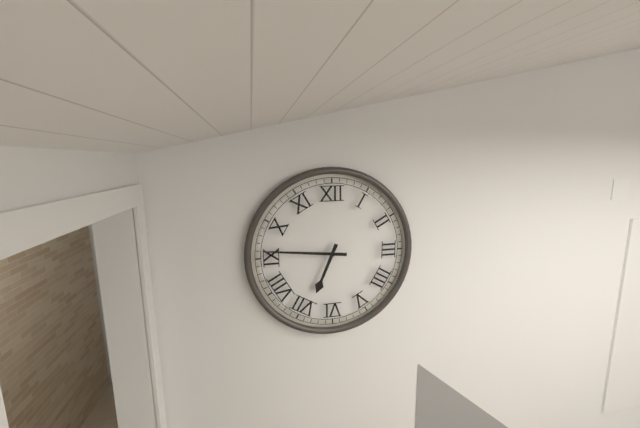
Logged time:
6:46
